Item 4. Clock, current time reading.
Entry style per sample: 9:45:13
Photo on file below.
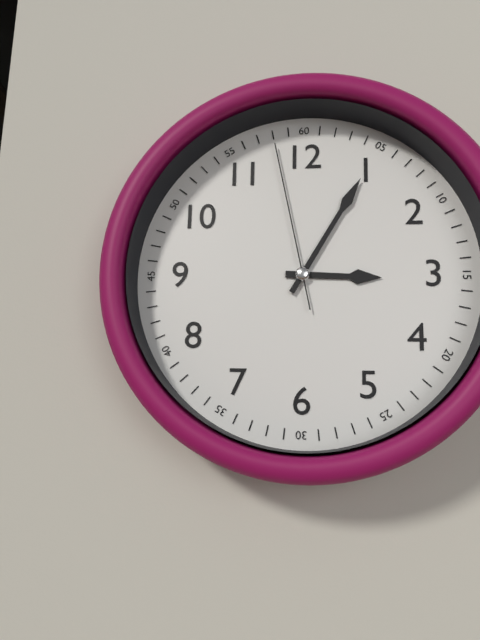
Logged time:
3:05:58
